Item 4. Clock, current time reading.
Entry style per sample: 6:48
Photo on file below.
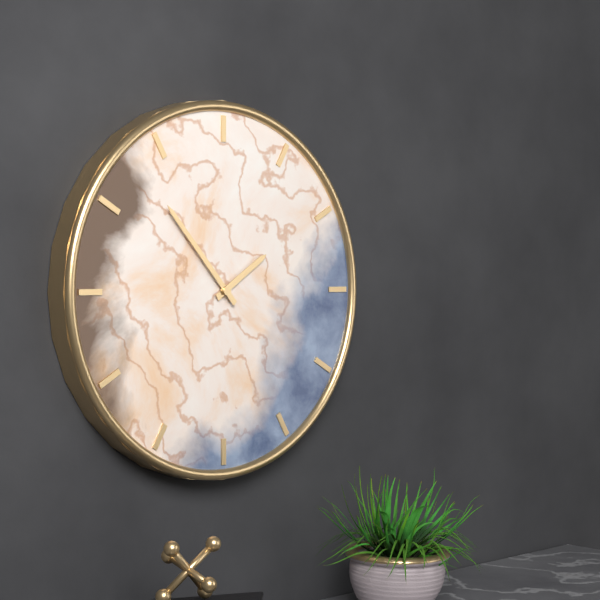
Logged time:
1:53
